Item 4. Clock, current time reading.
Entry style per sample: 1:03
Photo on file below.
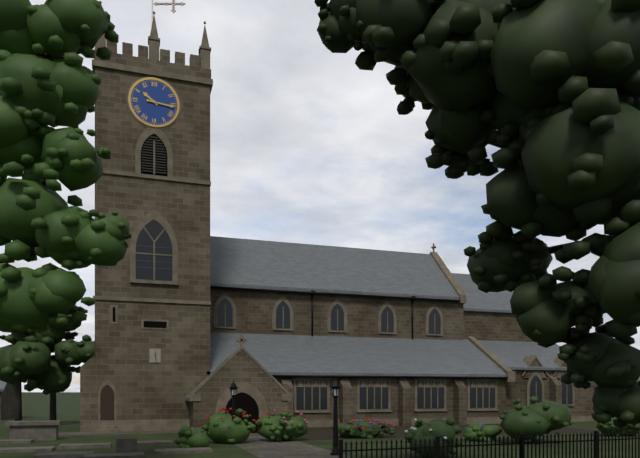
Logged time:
10:16
